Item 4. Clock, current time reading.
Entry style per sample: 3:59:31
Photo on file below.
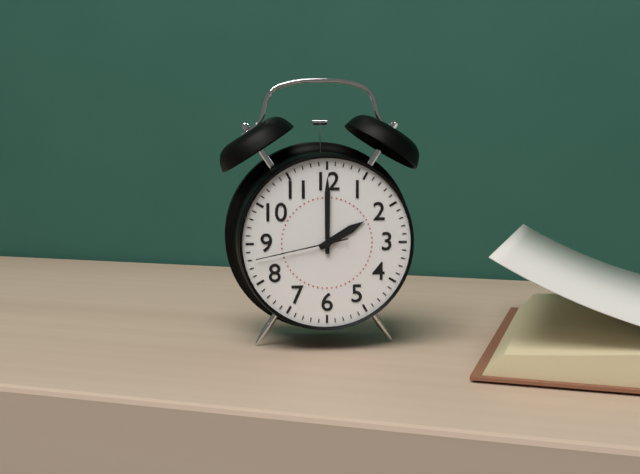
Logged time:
2:00:43
